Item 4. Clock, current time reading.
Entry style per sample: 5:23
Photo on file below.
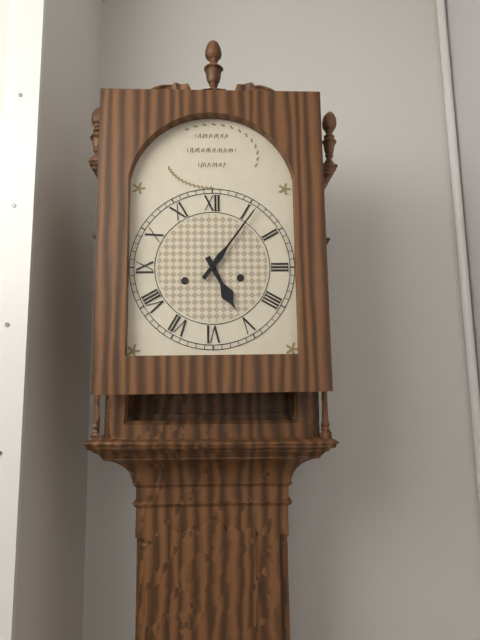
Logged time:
5:06
